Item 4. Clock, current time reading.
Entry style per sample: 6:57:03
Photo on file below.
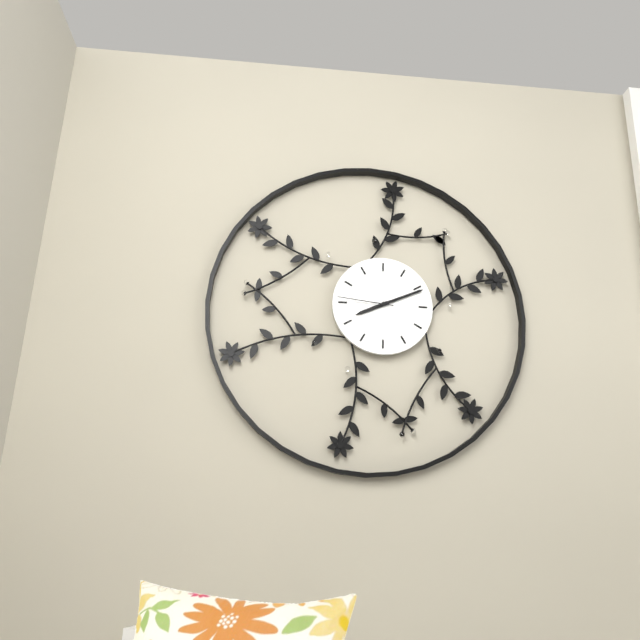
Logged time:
8:11:46
